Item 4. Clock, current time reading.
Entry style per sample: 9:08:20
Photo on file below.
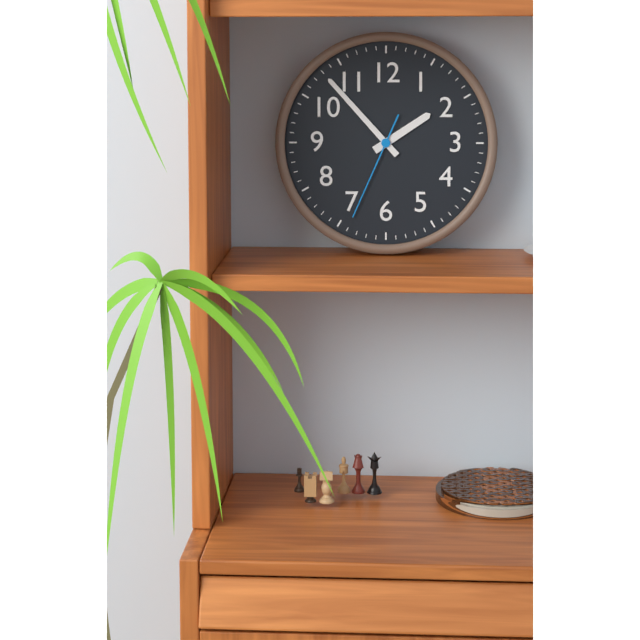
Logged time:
1:53:34
